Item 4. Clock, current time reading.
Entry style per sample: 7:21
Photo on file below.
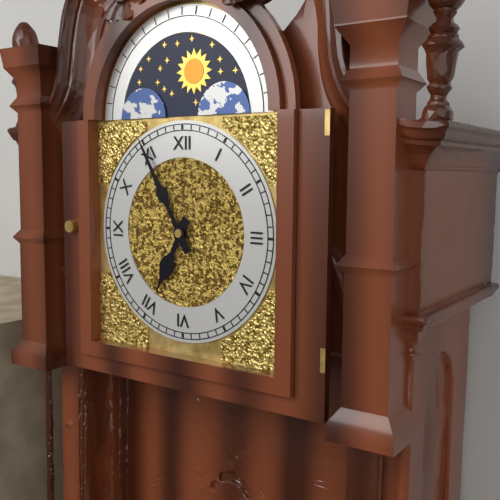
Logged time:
6:55
